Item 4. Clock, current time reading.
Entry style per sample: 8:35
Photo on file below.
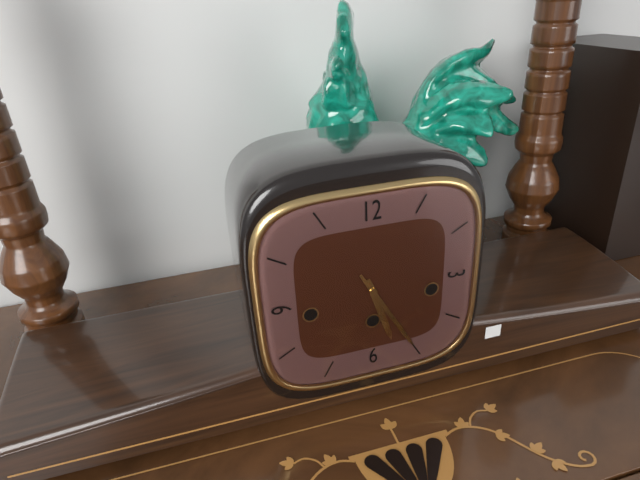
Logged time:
5:25
